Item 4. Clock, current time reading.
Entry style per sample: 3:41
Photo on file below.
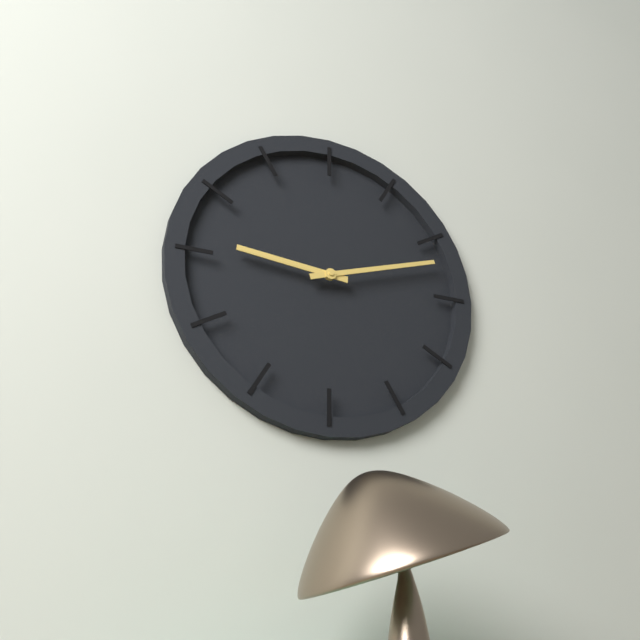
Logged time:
9:12
